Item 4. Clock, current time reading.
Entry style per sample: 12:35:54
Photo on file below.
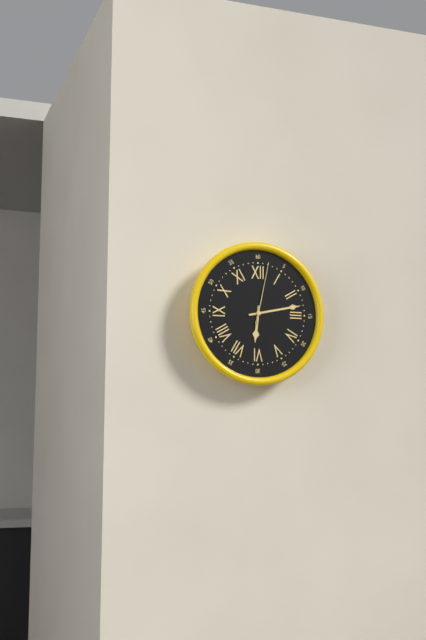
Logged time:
6:13:02
